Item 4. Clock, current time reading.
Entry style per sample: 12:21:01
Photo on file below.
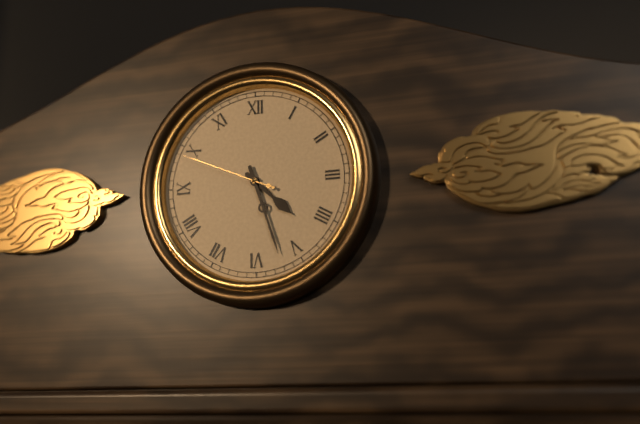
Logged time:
4:27:49
